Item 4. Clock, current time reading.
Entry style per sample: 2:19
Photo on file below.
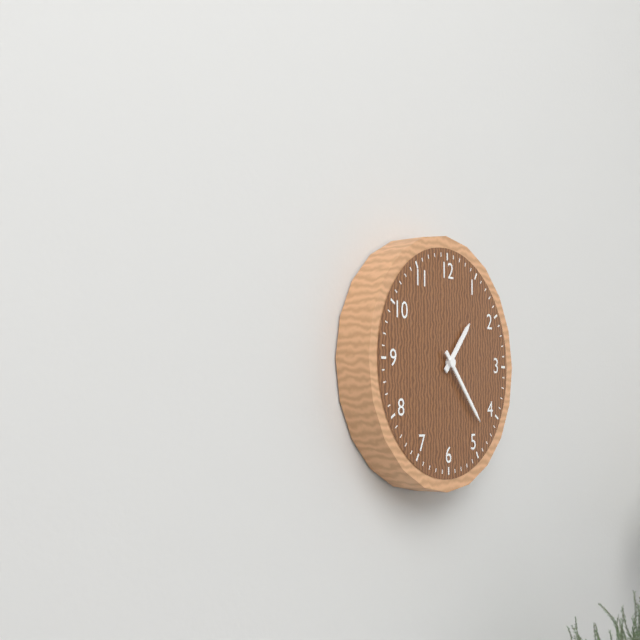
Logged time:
1:23
